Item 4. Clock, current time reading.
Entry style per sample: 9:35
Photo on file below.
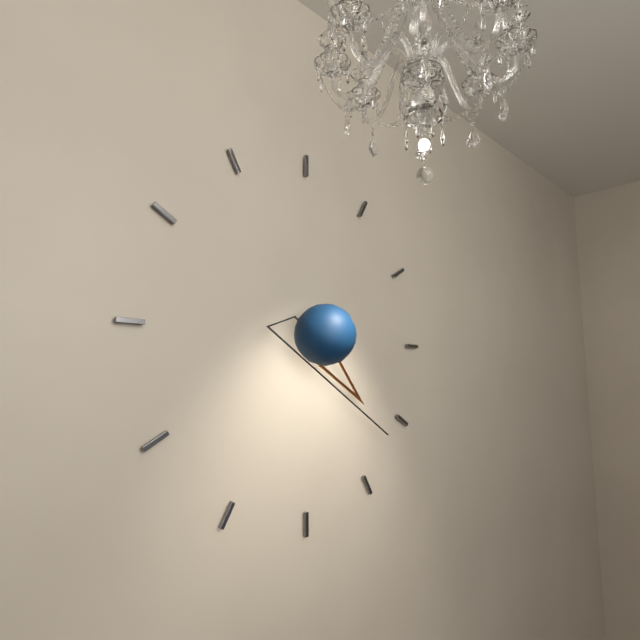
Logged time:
4:22
